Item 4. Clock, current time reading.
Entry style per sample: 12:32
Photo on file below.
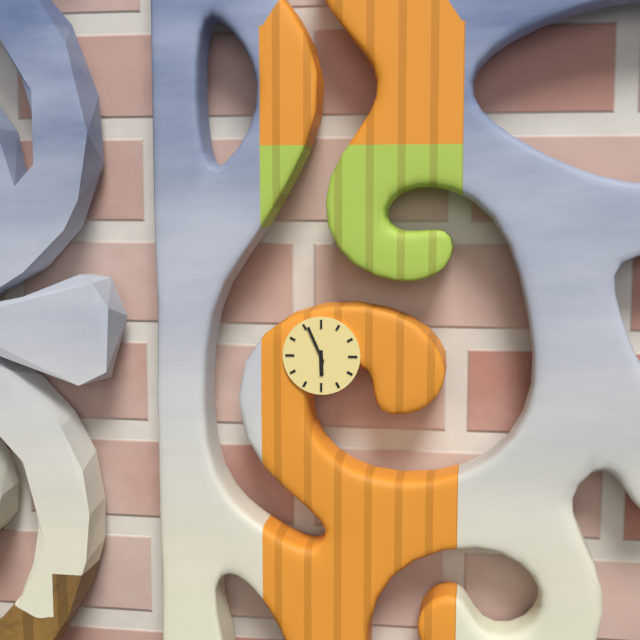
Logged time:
5:56
